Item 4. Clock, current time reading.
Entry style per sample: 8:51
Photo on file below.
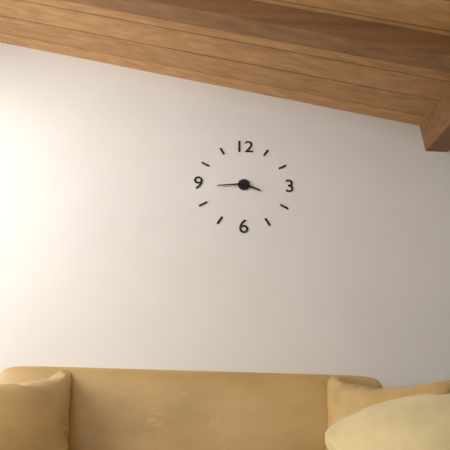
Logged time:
3:44
